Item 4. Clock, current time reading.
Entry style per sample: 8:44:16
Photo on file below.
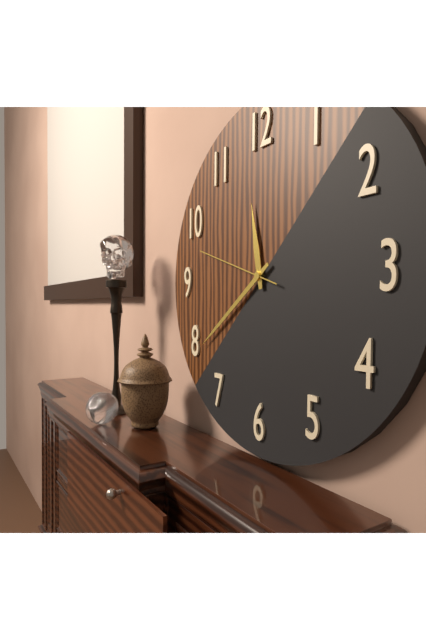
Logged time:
11:39:48
